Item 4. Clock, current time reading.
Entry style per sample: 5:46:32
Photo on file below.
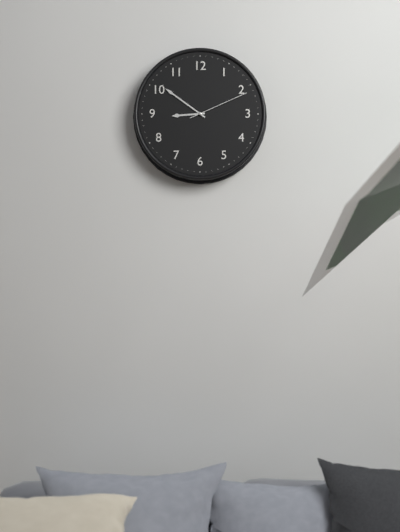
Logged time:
8:51:11
